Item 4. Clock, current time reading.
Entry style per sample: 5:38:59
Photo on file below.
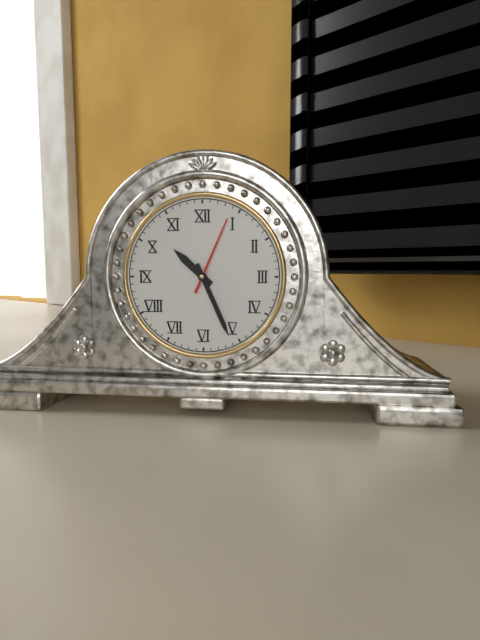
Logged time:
10:26:04
